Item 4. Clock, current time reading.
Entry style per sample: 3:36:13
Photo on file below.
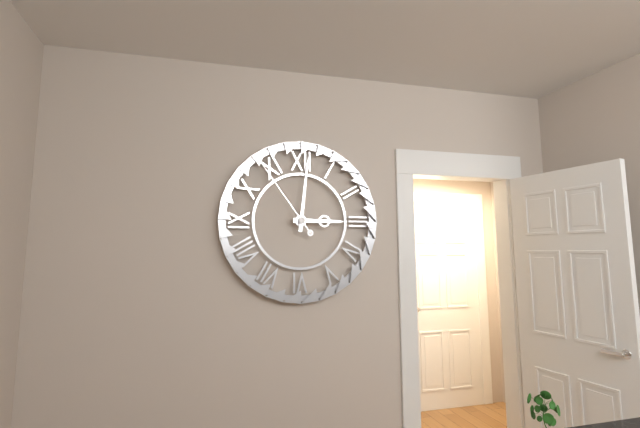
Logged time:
3:01:54
